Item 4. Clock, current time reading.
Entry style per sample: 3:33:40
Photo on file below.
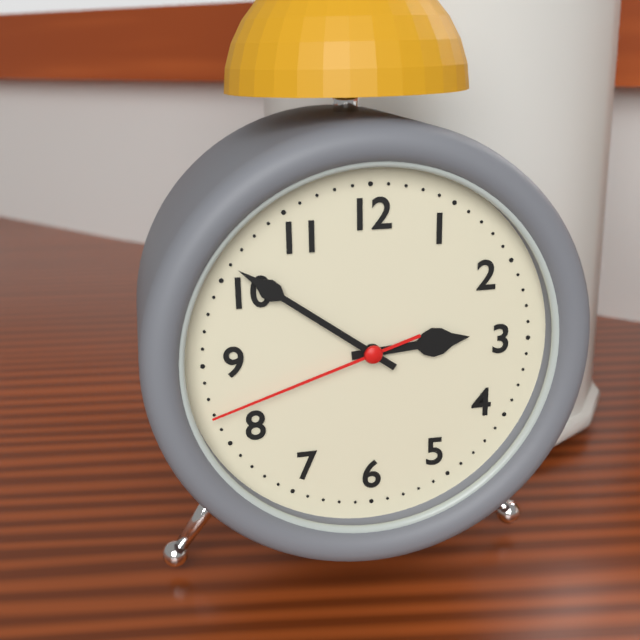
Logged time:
2:51:42
